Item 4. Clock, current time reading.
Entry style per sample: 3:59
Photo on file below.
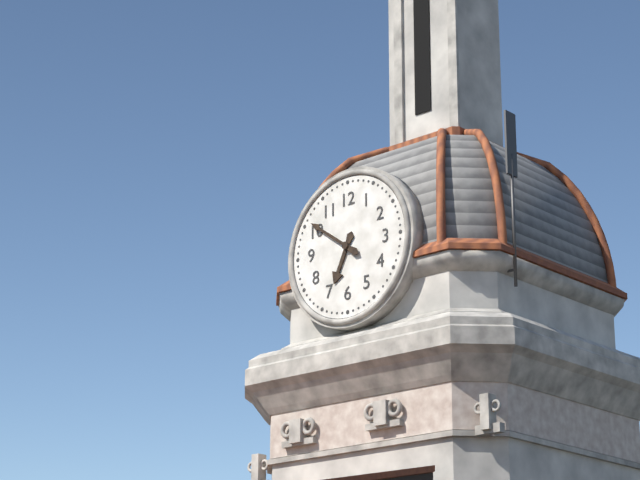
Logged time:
6:51
